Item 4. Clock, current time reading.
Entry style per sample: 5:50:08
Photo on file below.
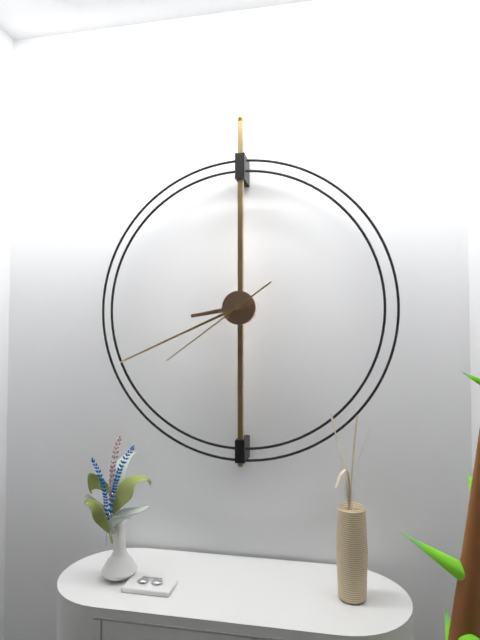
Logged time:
8:41:39
